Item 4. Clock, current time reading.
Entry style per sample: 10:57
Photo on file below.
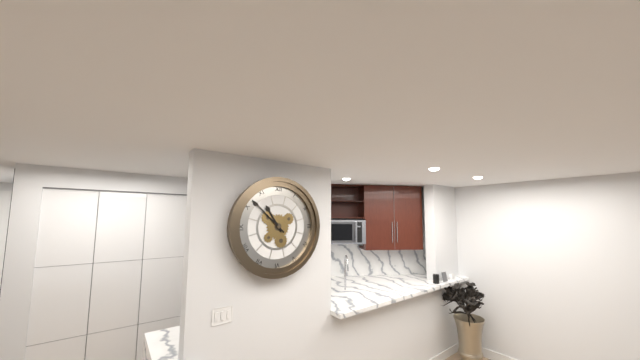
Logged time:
10:52
